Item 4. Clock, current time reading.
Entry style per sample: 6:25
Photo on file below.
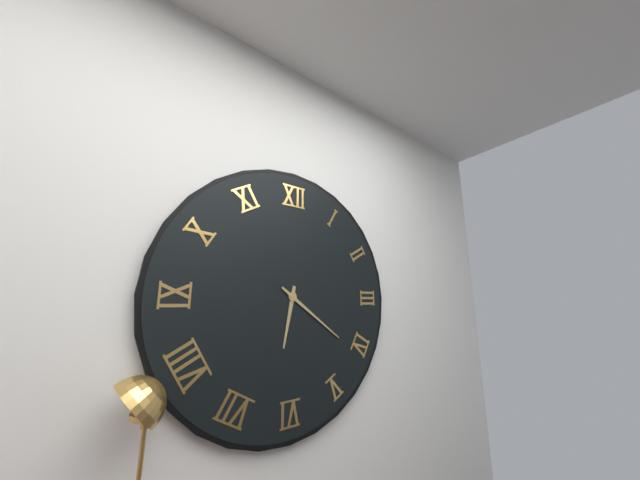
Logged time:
6:21
